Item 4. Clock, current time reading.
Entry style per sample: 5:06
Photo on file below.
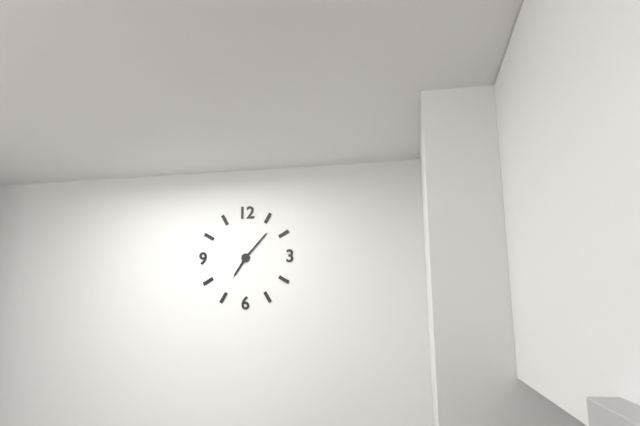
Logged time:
7:07
